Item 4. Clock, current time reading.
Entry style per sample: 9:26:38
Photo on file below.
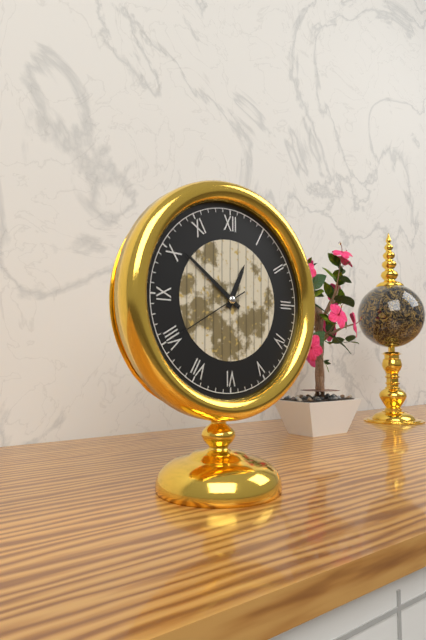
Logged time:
12:51:40
